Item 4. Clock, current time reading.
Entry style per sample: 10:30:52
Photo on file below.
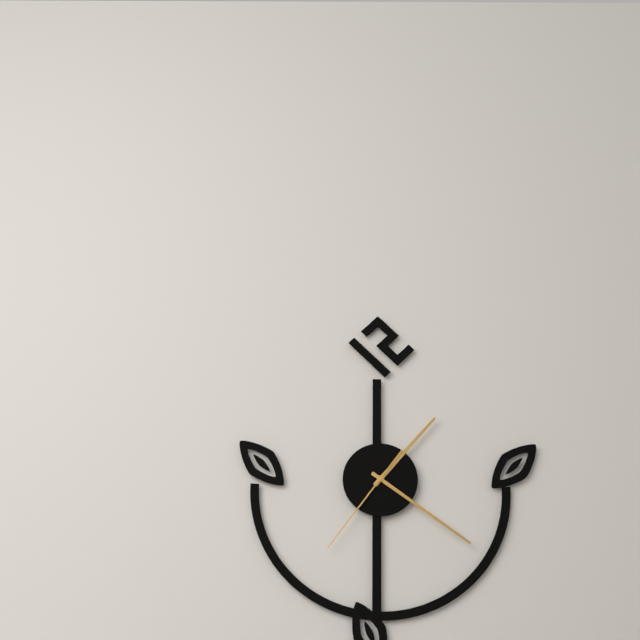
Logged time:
1:21:36
